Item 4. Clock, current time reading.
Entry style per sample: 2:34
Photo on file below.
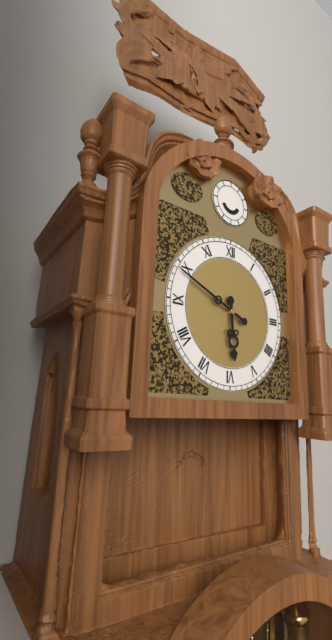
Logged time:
5:49
